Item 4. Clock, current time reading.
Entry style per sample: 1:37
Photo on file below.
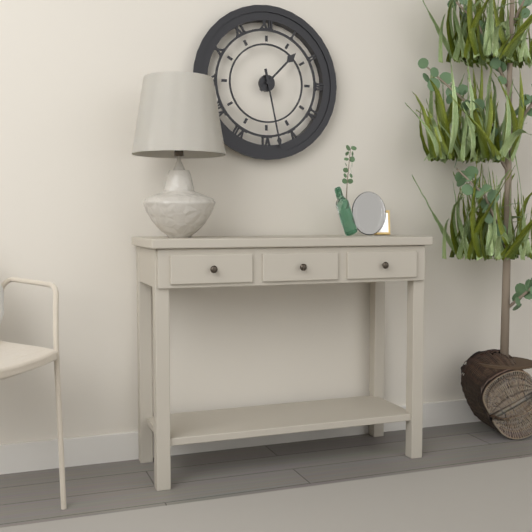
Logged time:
1:28
